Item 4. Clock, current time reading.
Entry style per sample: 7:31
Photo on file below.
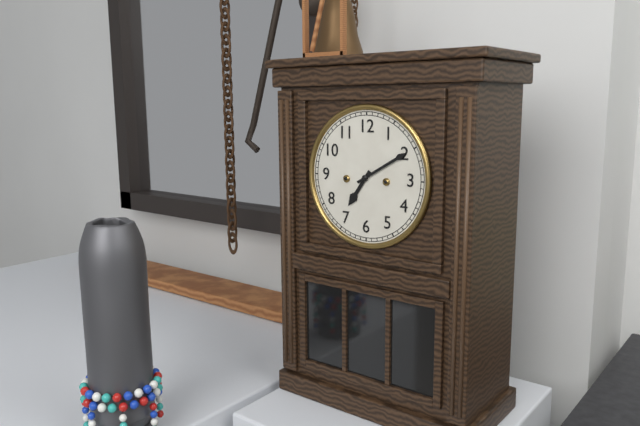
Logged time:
7:10
